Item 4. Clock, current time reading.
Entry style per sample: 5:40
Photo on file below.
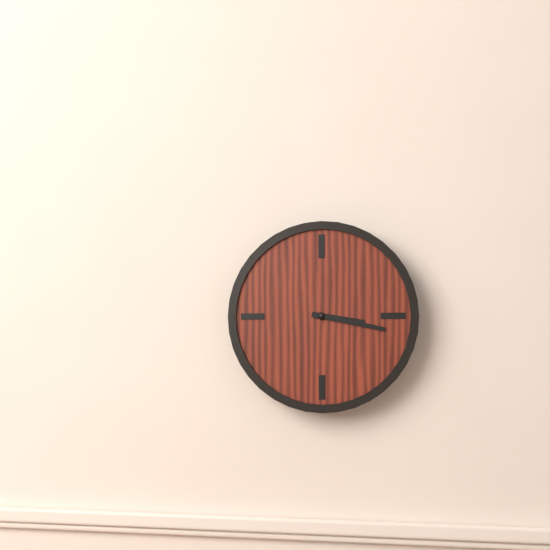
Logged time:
3:17
